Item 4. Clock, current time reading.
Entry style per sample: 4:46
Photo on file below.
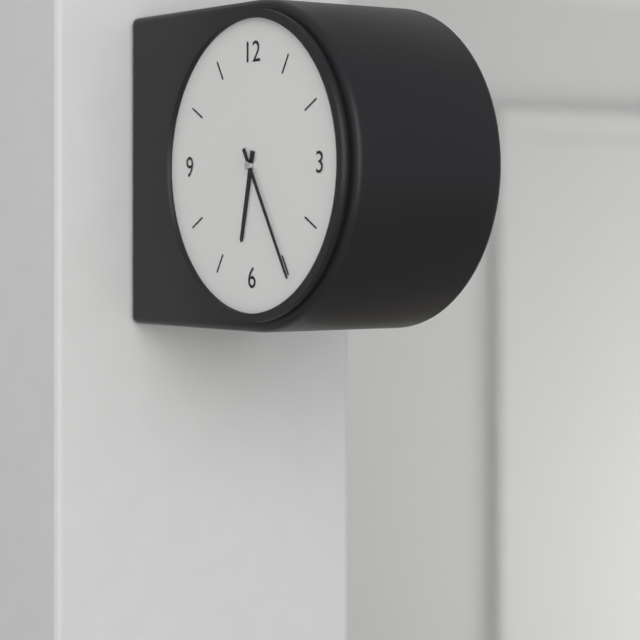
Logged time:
6:25
